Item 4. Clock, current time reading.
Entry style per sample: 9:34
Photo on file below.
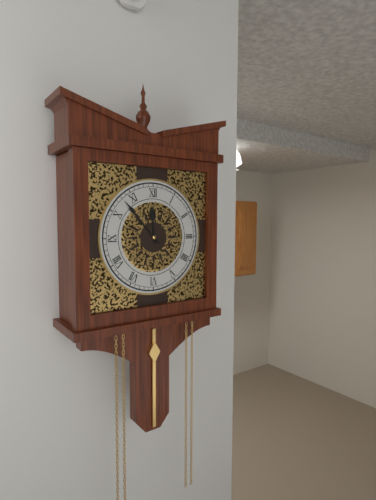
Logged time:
11:53
